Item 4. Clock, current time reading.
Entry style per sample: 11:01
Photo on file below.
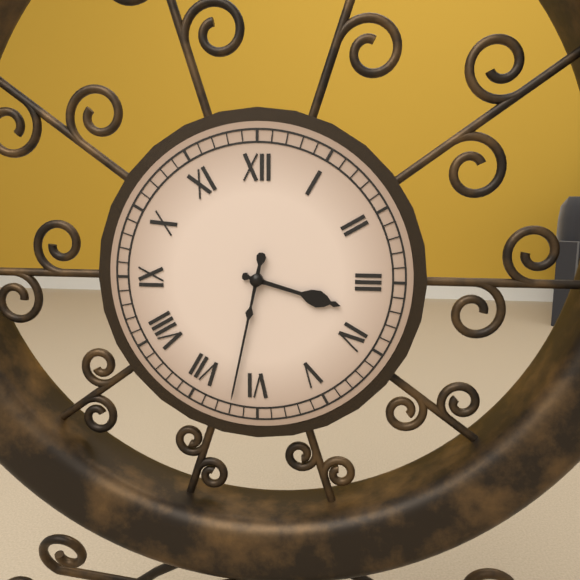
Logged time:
3:32
